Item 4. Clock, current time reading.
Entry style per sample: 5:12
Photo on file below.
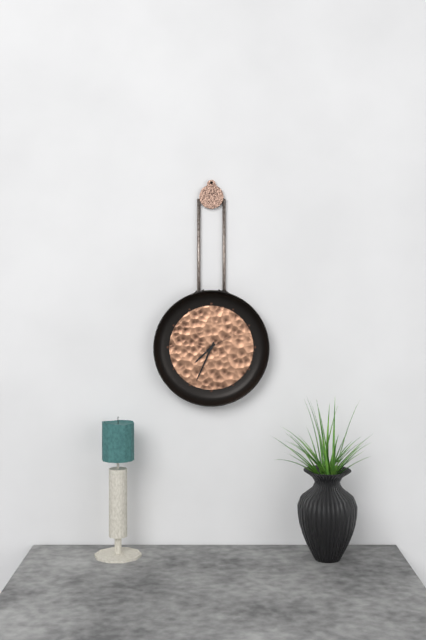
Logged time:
7:34
